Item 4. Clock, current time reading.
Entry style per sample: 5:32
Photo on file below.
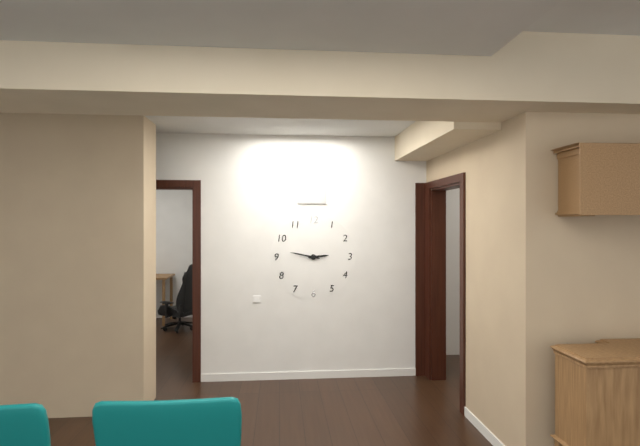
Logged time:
2:47
